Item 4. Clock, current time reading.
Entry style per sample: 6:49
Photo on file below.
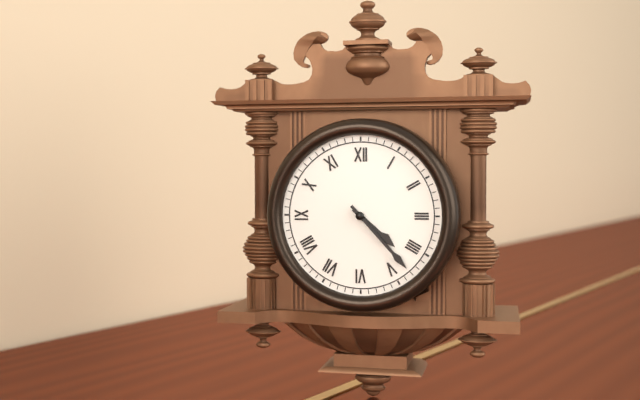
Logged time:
4:23
